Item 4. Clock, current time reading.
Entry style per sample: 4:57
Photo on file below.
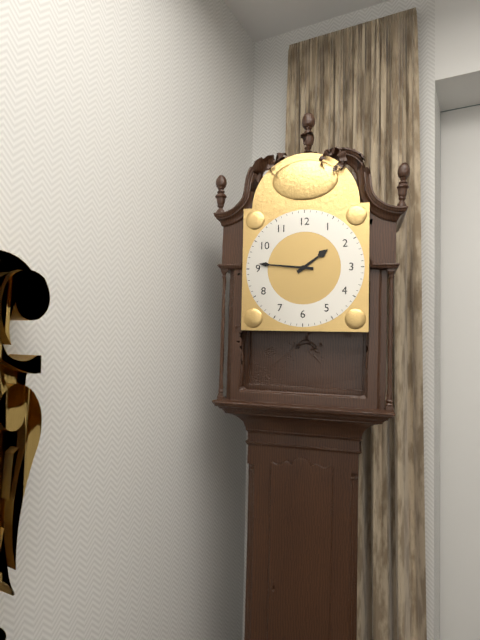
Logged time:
1:46
